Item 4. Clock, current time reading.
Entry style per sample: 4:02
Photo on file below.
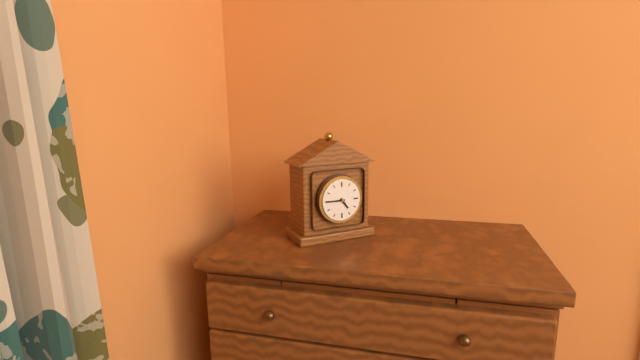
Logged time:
4:45
